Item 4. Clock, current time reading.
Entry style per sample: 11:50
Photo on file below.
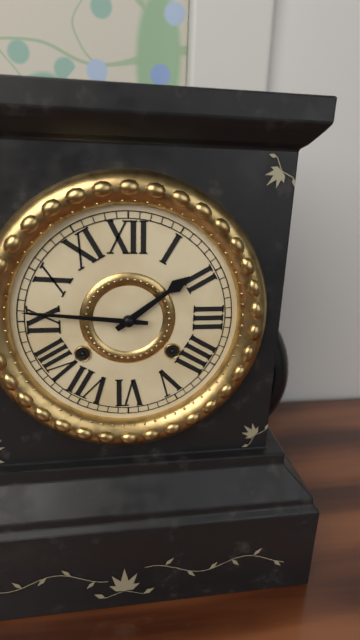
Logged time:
1:46
